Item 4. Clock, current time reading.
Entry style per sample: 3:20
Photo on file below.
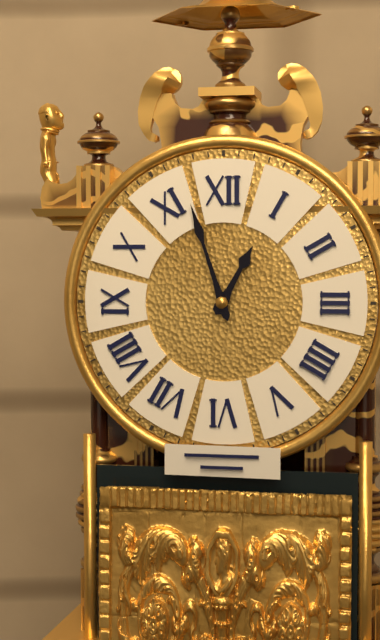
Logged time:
12:57
